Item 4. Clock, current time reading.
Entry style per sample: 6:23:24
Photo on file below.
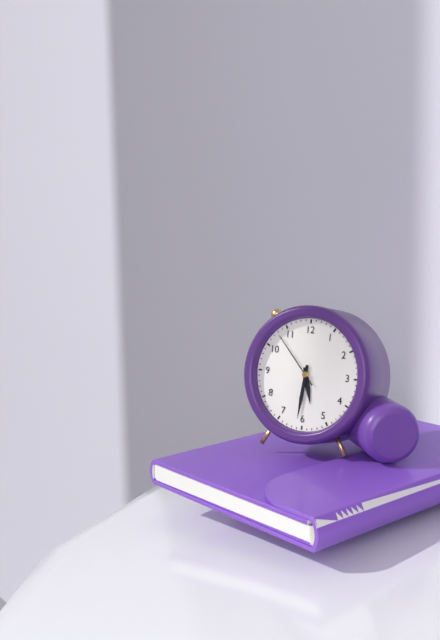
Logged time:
5:31:53
